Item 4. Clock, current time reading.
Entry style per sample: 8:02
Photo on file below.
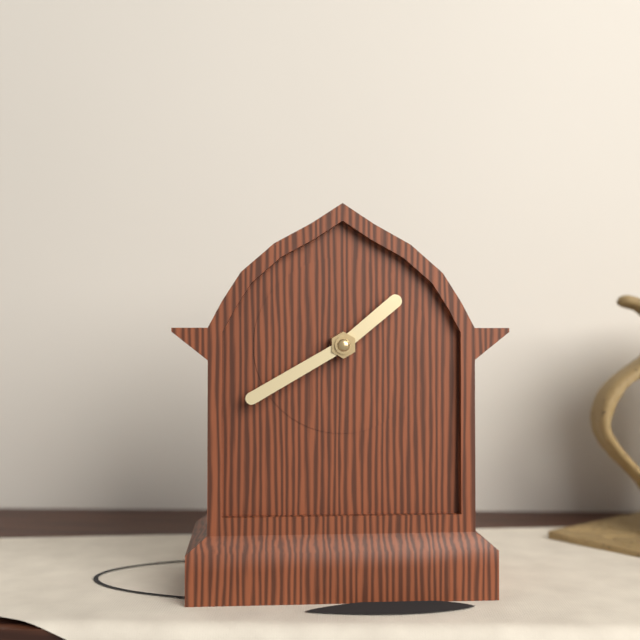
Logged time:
1:40
